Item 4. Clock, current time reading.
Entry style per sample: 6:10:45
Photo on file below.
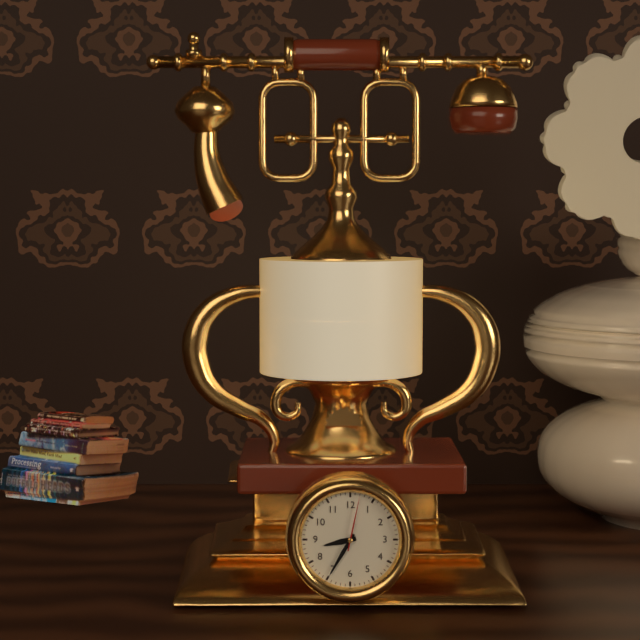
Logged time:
8:35:02
